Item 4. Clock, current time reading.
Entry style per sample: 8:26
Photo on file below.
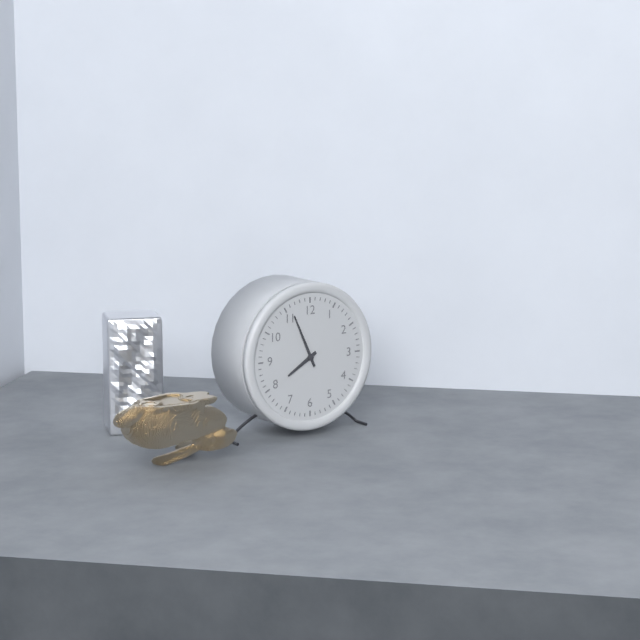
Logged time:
7:56
